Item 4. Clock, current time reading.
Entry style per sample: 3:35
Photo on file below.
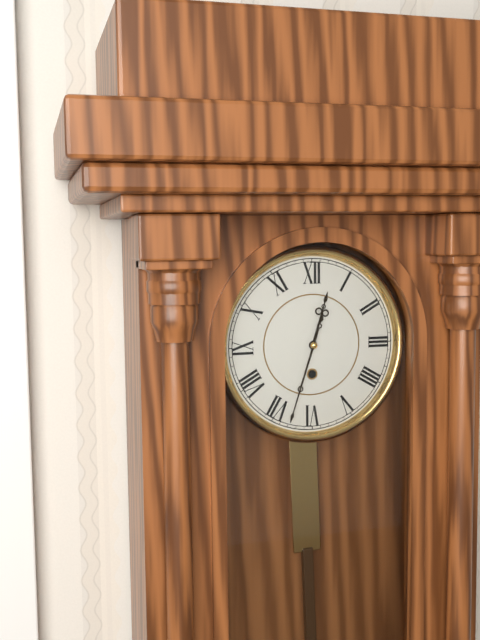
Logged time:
12:33
